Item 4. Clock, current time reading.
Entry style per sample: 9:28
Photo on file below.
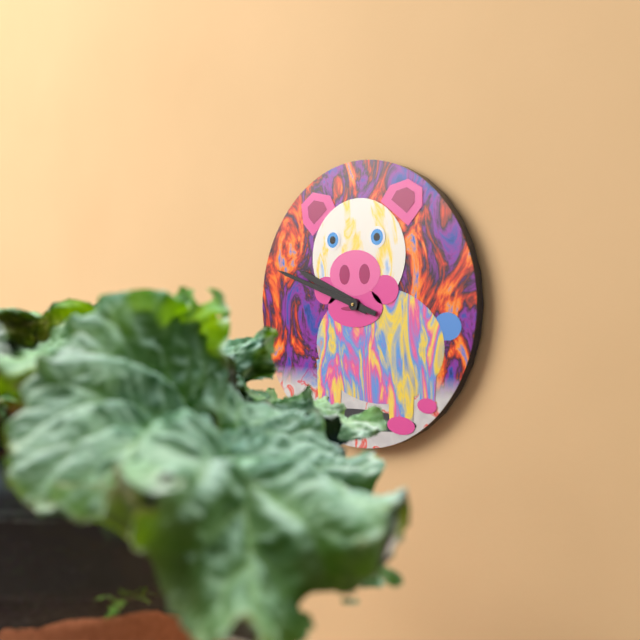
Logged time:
9:48
